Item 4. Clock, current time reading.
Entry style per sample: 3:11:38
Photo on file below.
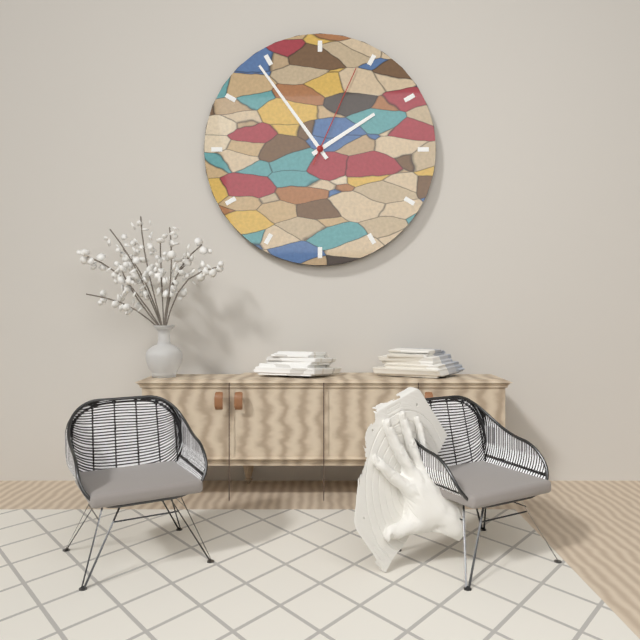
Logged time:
1:54:04
